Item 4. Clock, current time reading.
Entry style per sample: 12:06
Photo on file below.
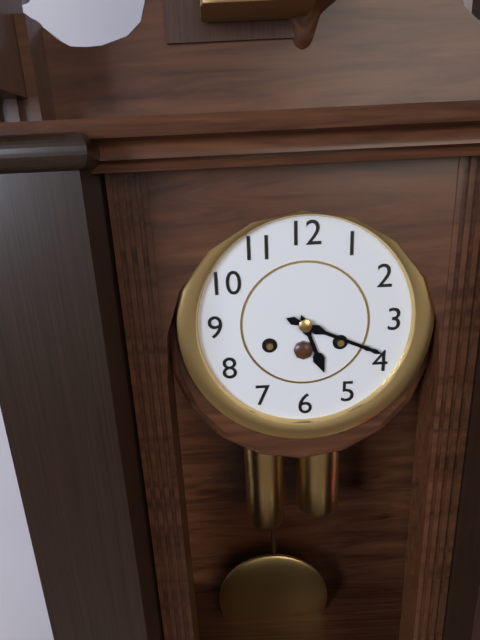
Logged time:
5:19
